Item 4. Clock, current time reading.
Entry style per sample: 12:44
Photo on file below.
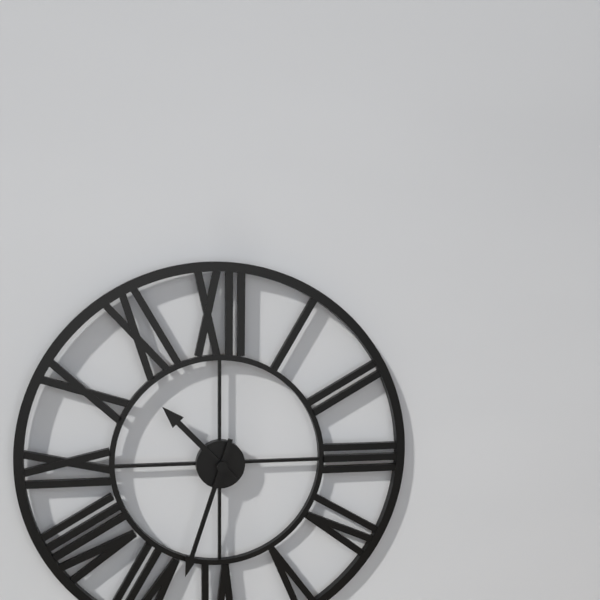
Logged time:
10:33
